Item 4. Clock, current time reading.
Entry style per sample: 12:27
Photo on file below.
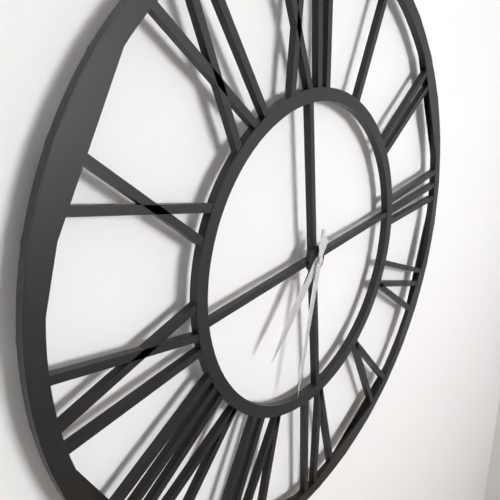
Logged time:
7:33
